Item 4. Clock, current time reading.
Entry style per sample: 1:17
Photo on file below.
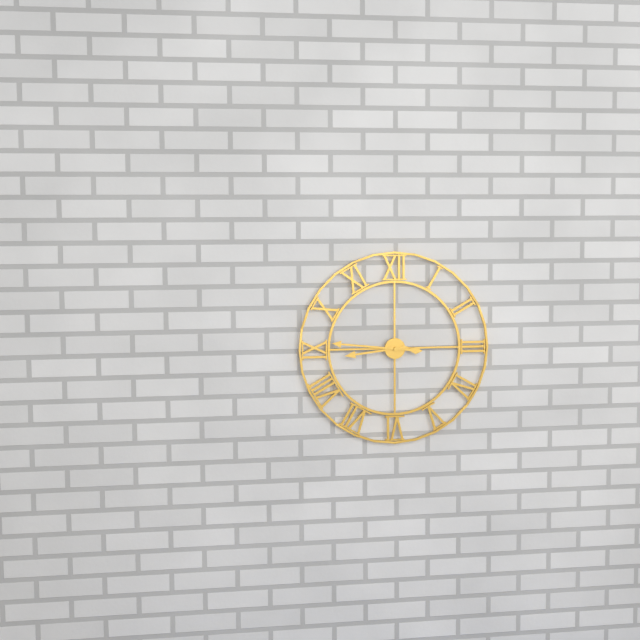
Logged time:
8:46
